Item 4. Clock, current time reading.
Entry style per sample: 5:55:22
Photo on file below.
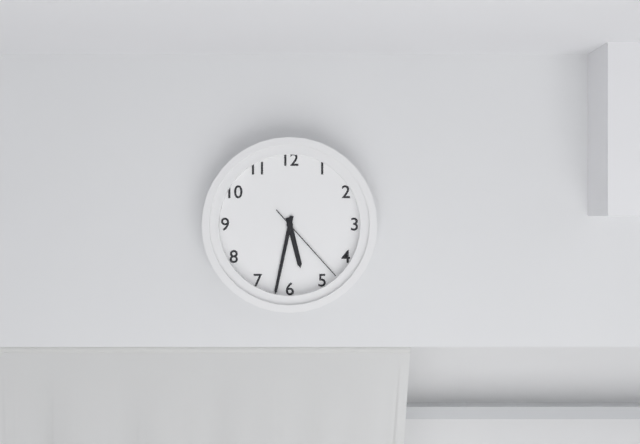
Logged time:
5:32:23
